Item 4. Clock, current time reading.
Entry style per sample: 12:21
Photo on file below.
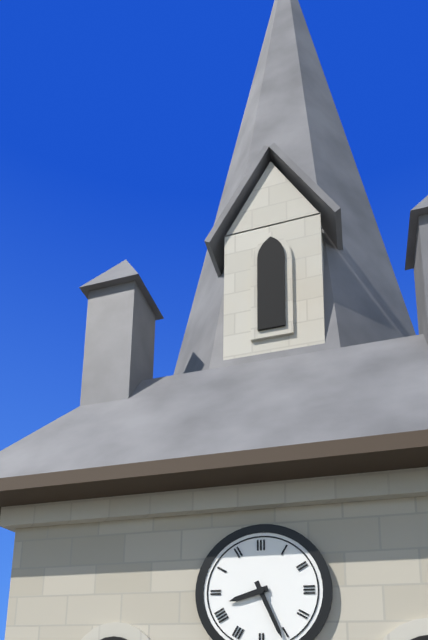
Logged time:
8:26
